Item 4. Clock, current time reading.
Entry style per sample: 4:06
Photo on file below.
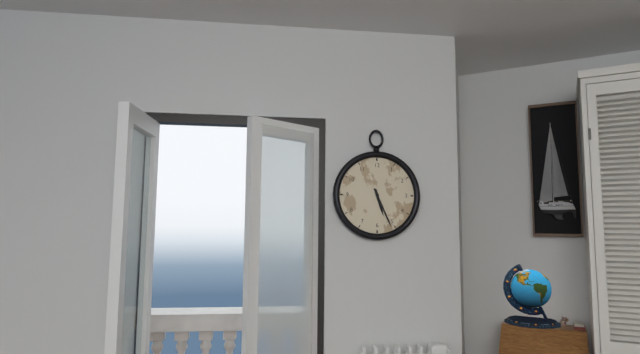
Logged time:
5:26
